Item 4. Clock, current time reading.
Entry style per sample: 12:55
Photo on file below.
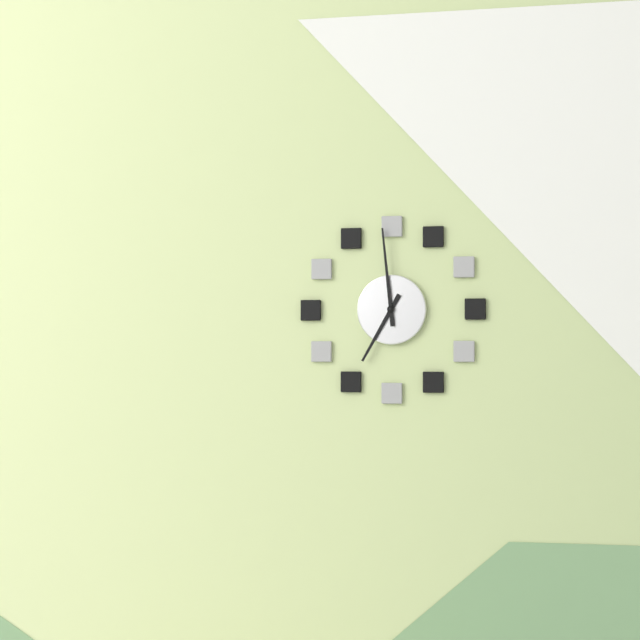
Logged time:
6:59
